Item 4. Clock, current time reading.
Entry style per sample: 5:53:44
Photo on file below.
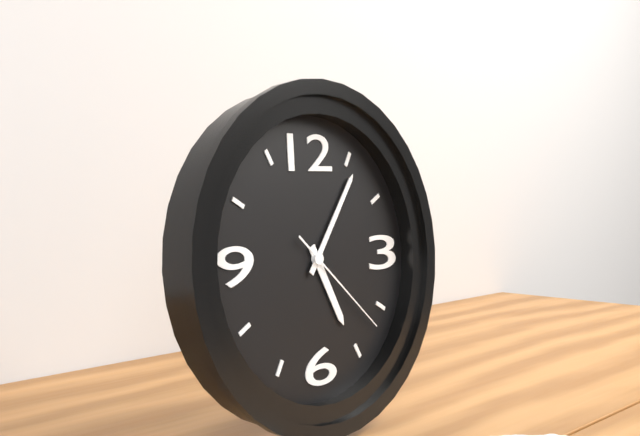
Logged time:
5:06:22
